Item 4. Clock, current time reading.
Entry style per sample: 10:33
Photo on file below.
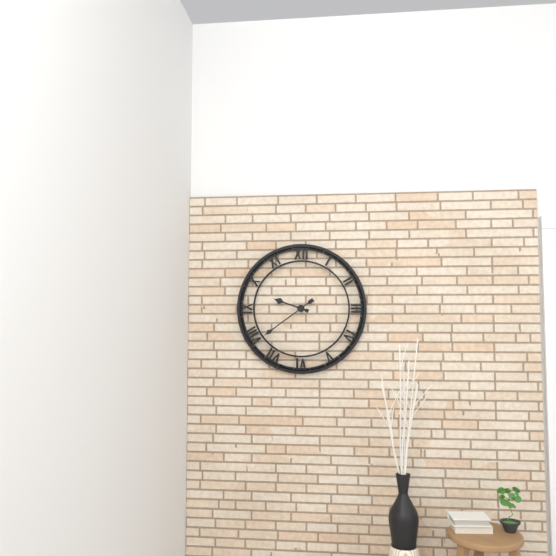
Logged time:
9:39
